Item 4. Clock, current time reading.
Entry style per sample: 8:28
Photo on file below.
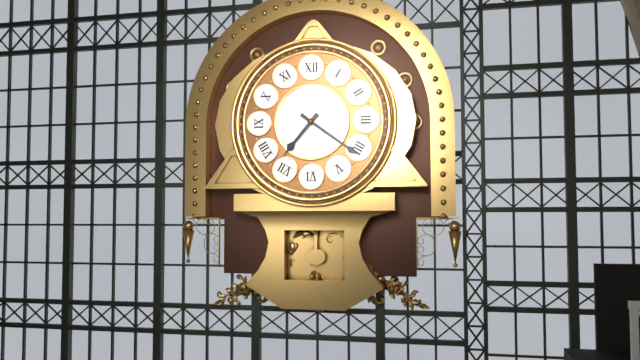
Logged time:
7:21
